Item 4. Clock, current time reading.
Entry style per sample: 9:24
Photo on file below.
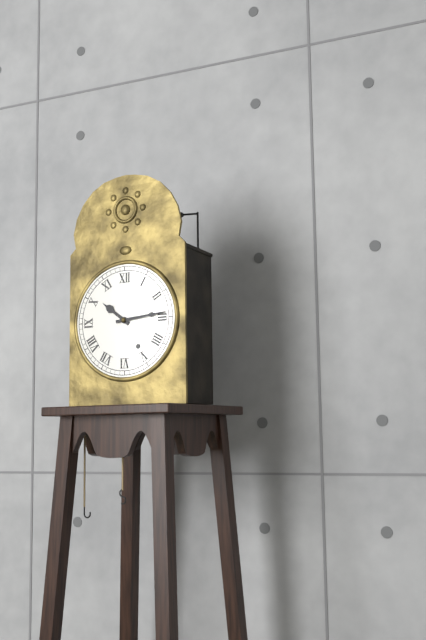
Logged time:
10:14
